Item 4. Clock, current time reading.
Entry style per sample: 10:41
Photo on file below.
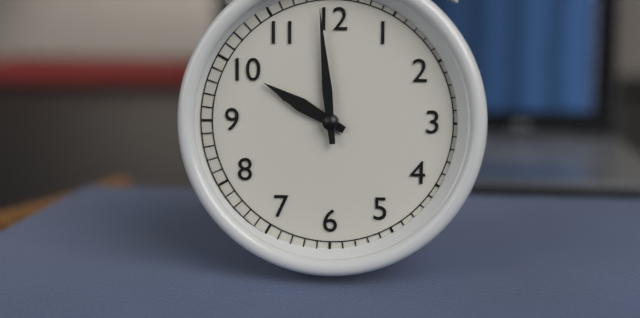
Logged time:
9:59
